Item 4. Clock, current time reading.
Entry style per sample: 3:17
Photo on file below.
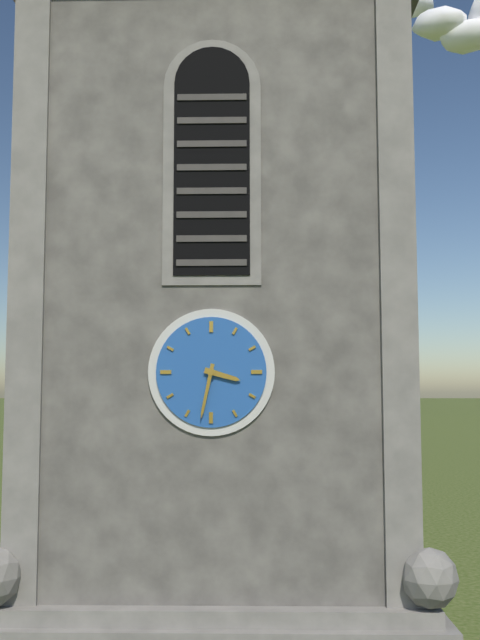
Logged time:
3:32
